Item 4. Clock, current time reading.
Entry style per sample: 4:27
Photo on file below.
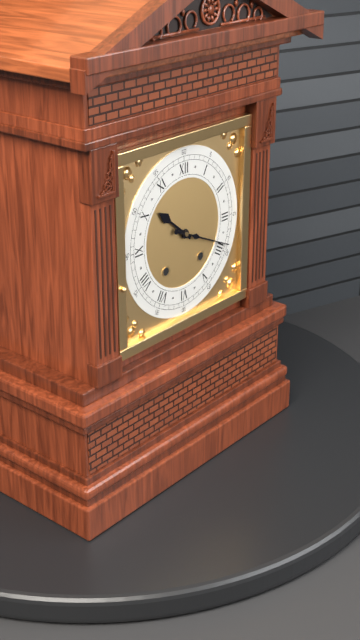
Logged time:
10:19
